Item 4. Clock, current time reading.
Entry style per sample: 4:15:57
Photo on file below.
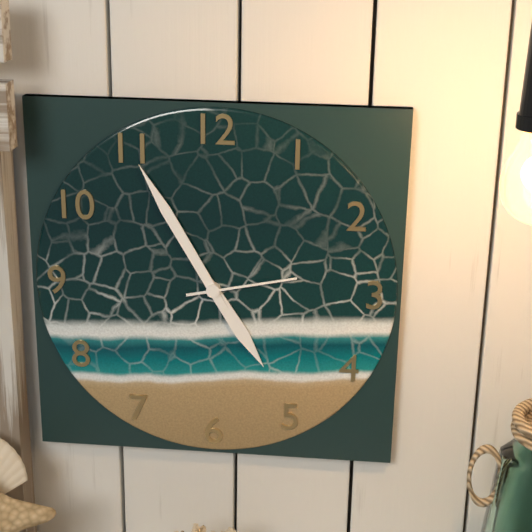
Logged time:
4:55:13
